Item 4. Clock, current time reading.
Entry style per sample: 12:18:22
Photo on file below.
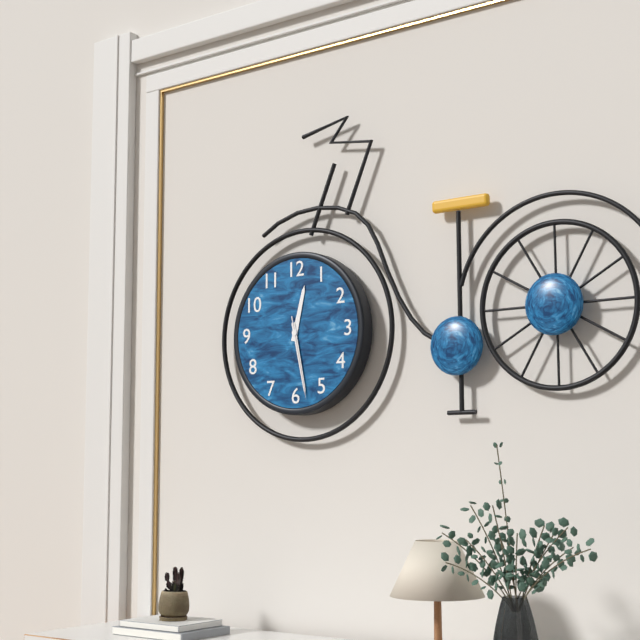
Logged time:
12:28:28
